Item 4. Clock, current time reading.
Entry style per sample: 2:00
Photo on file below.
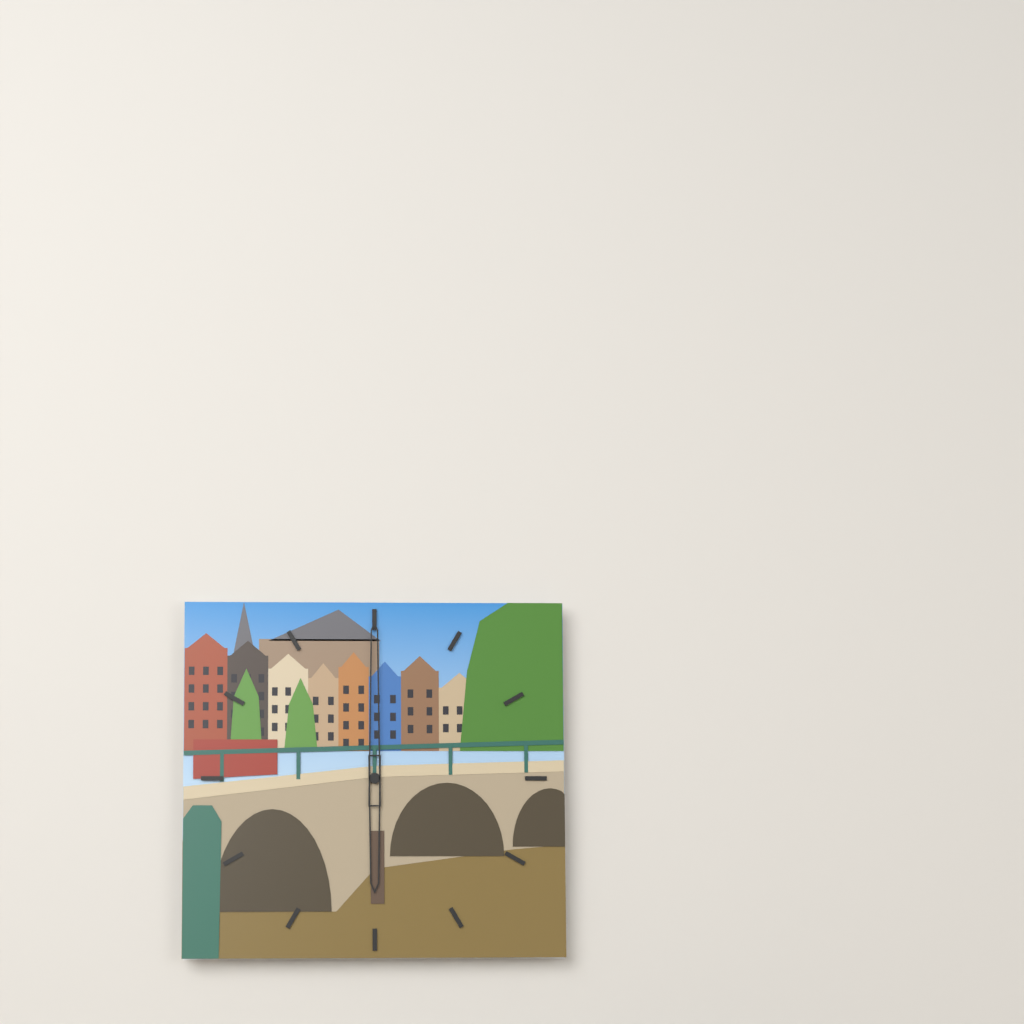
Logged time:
6:00
